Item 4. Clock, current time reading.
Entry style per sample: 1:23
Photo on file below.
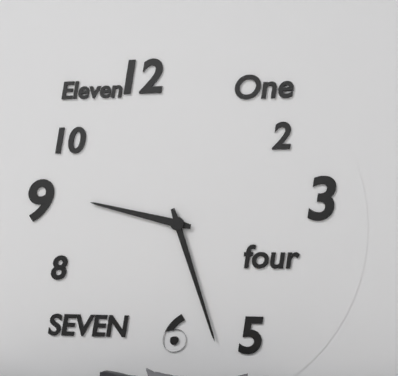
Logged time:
9:27
